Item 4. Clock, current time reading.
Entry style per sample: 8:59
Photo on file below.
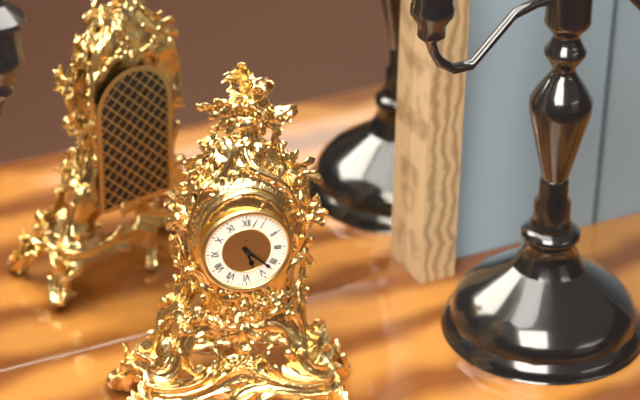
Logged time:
5:22
